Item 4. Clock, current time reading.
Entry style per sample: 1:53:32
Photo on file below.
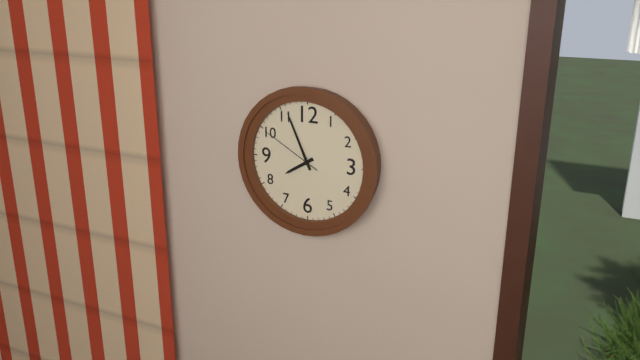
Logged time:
7:56:50
